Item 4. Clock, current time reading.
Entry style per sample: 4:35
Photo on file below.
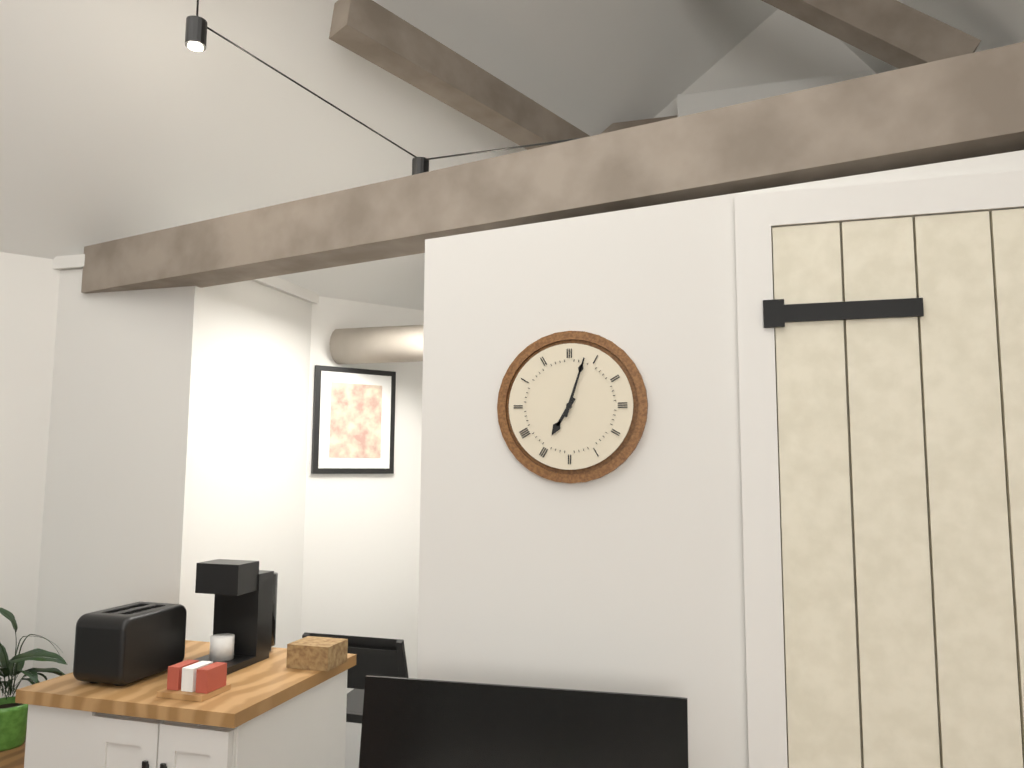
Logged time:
7:03
